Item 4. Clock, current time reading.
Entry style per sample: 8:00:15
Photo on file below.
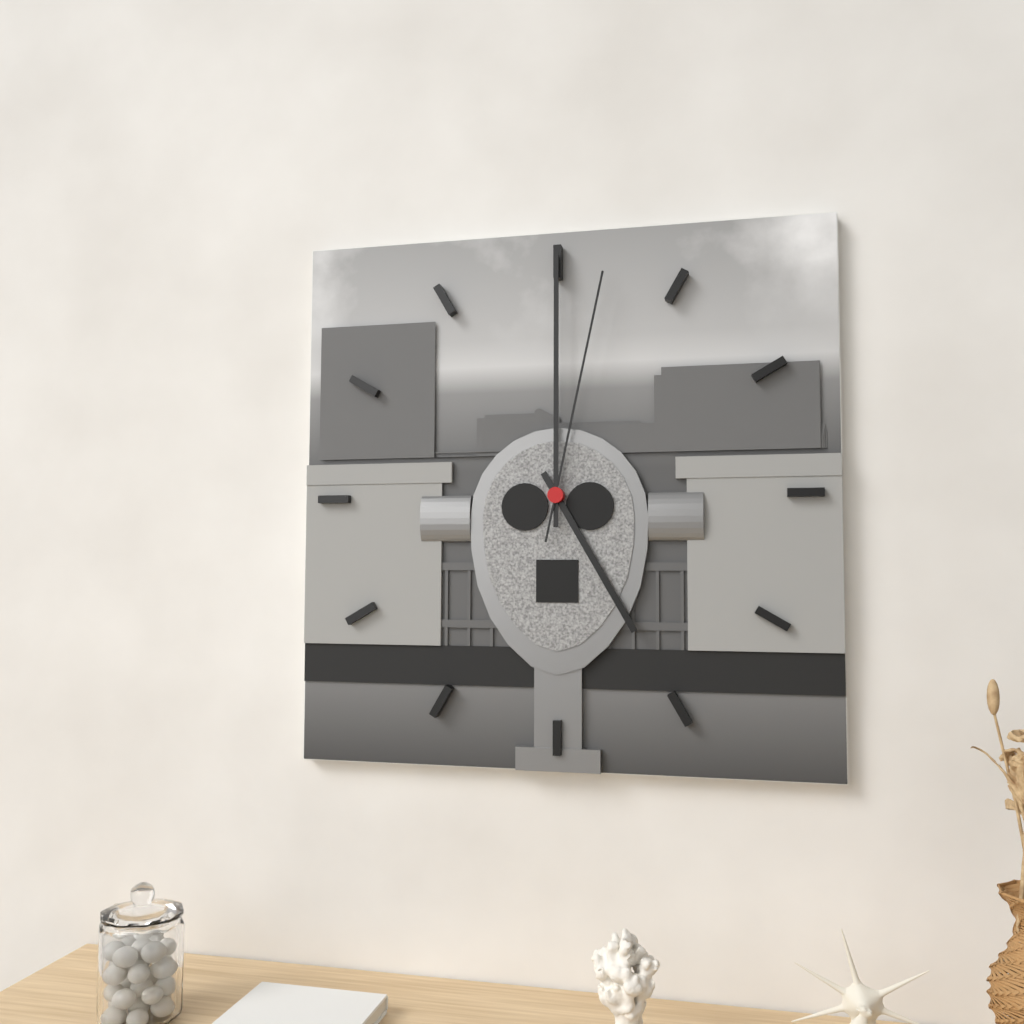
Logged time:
5:00:02
